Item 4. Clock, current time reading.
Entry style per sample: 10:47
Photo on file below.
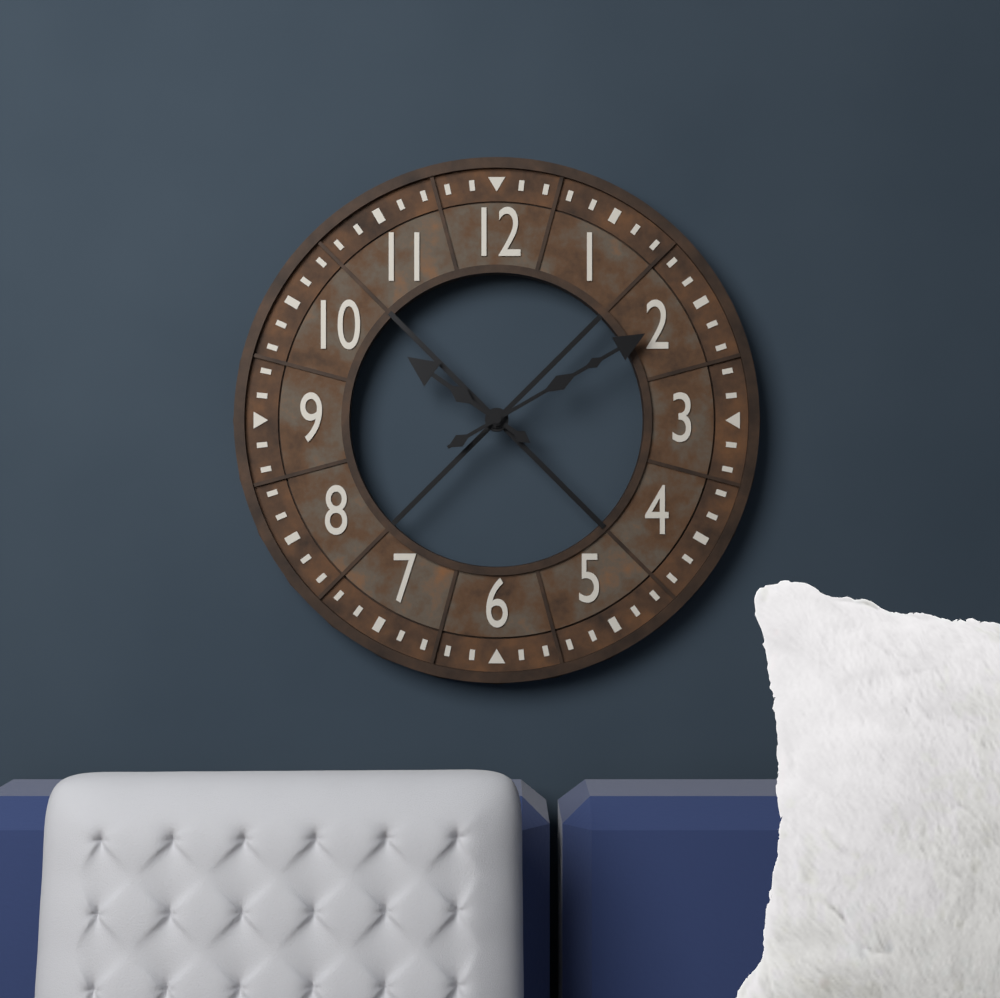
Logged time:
10:10
